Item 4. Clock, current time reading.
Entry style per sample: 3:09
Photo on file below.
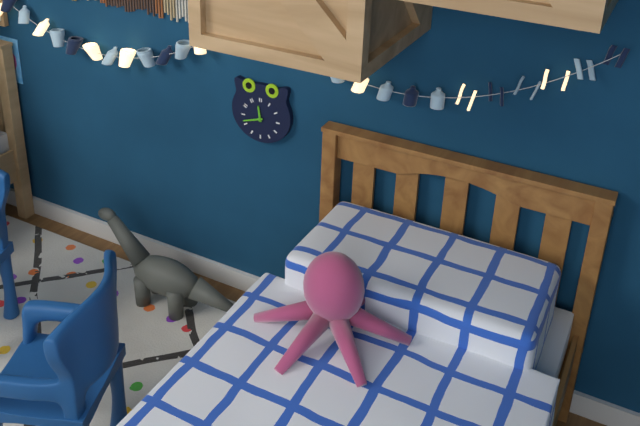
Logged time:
11:42
